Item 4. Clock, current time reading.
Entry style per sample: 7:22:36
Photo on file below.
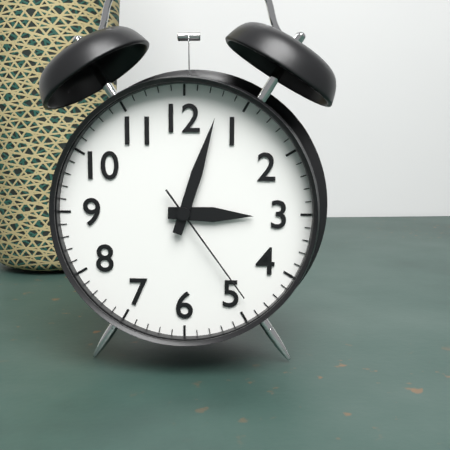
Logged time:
3:03:24
